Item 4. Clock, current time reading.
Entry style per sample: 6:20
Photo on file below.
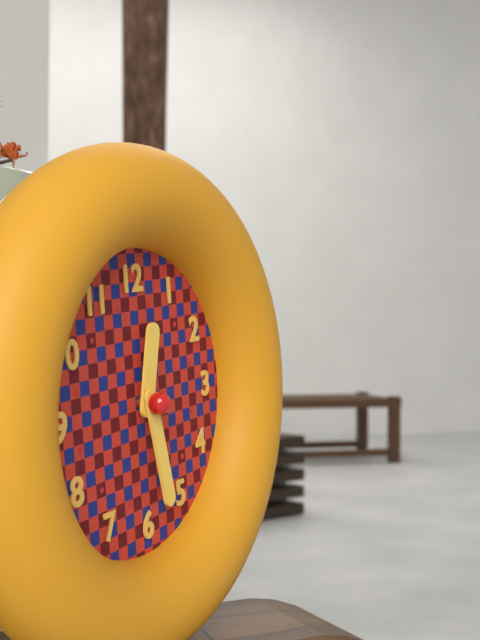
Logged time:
12:28
